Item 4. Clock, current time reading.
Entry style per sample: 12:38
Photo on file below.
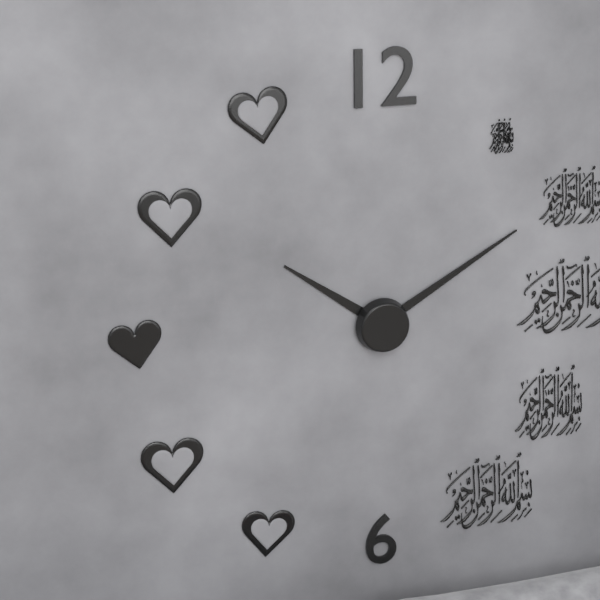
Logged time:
10:10
